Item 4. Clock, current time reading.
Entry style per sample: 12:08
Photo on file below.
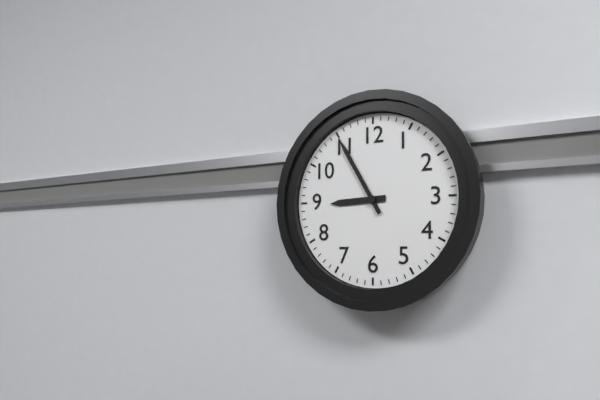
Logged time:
8:55
